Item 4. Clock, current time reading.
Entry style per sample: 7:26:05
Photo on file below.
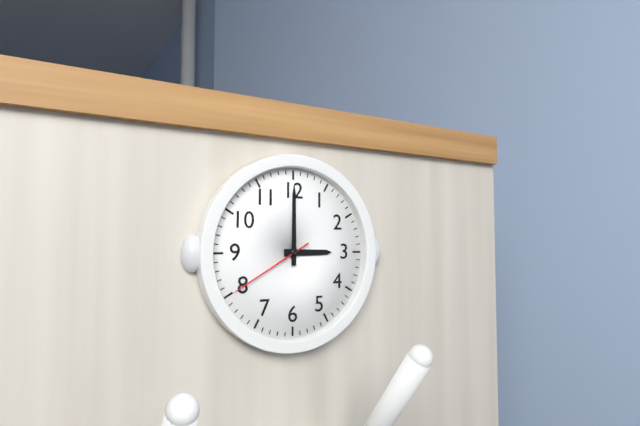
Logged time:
3:00:40
